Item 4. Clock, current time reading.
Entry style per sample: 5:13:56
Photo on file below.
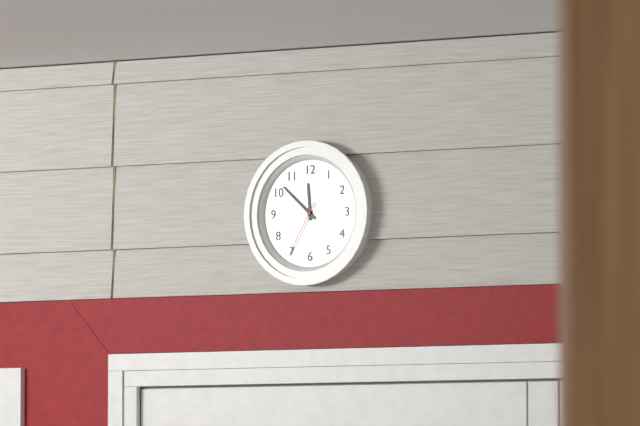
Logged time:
11:52:35
